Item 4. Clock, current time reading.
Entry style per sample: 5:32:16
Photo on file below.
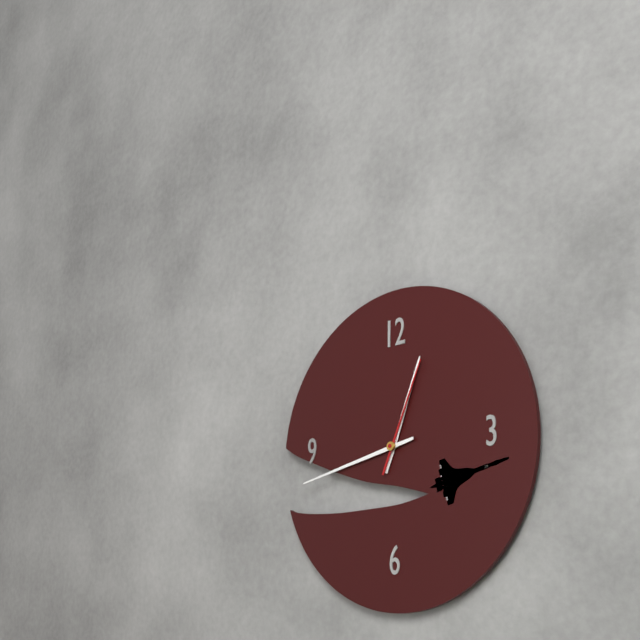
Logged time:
12:43:04
